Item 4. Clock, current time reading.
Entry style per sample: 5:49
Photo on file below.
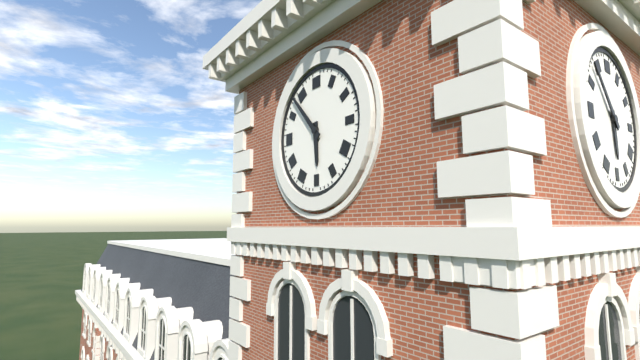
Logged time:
5:53
